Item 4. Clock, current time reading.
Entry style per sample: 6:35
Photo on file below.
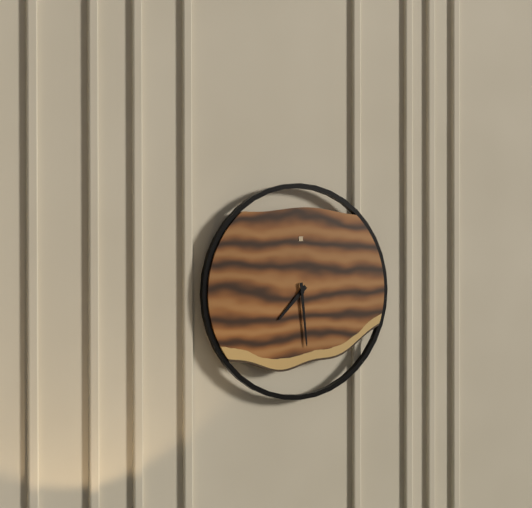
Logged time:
7:29
